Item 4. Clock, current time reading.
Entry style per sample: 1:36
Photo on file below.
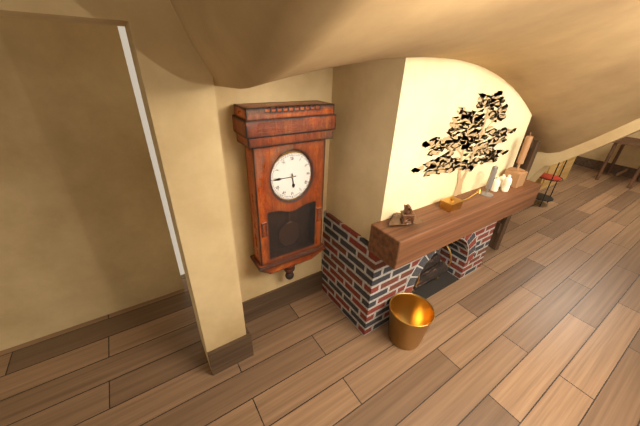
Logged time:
5:45
